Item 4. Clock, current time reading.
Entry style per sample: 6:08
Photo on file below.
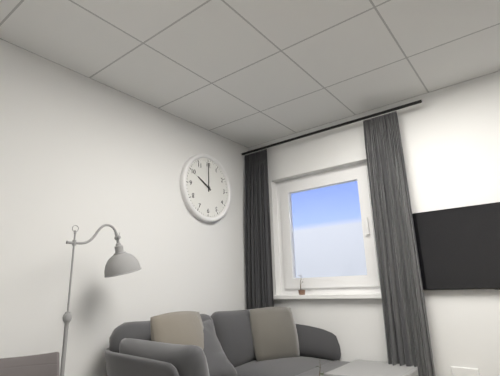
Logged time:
10:00
